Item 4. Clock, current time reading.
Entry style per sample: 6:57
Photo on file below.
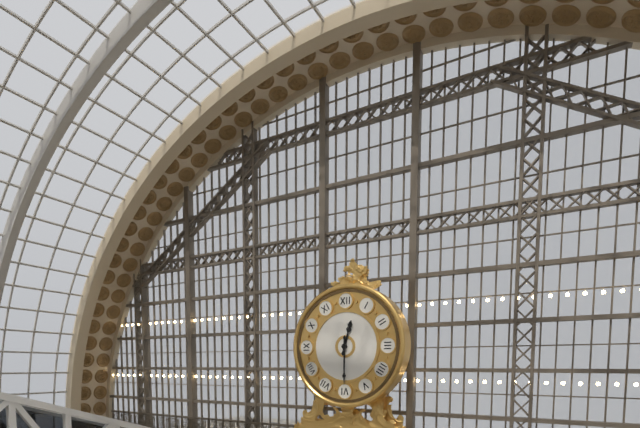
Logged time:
12:30
